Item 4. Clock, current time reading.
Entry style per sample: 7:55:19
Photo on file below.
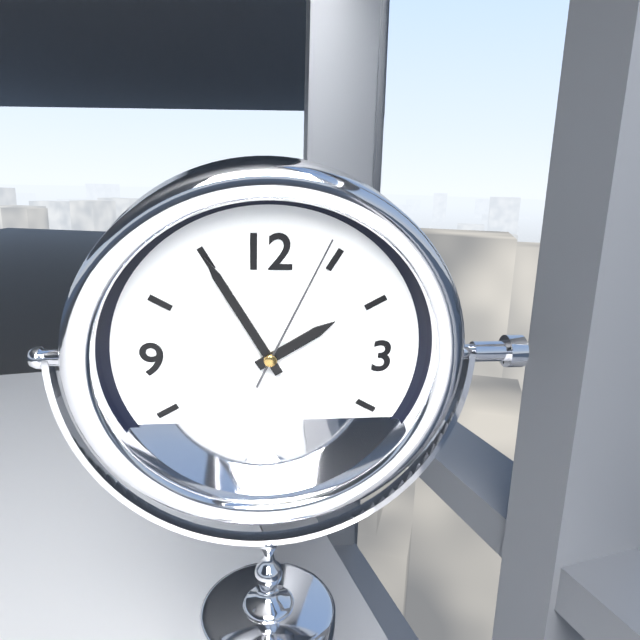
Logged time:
1:55:04
